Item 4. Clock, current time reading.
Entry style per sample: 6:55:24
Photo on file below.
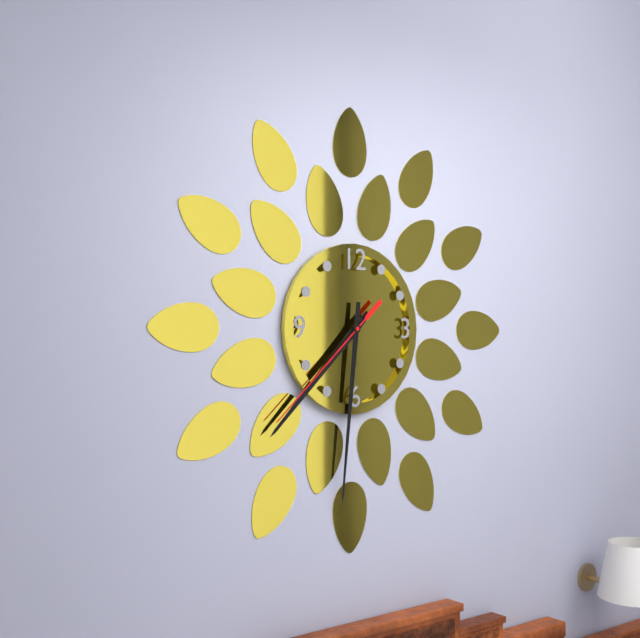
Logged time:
7:31:38
